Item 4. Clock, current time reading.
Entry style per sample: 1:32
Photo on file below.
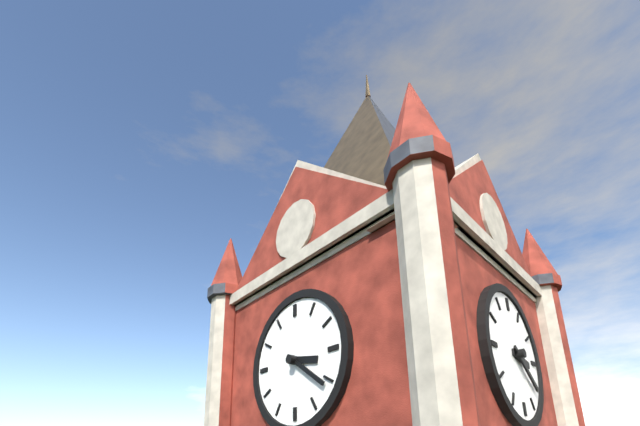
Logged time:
3:21
